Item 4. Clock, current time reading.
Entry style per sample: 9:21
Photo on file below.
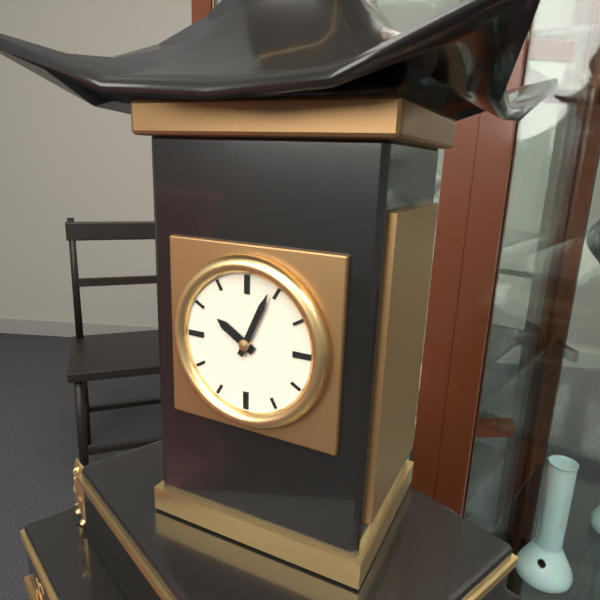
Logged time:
10:04
